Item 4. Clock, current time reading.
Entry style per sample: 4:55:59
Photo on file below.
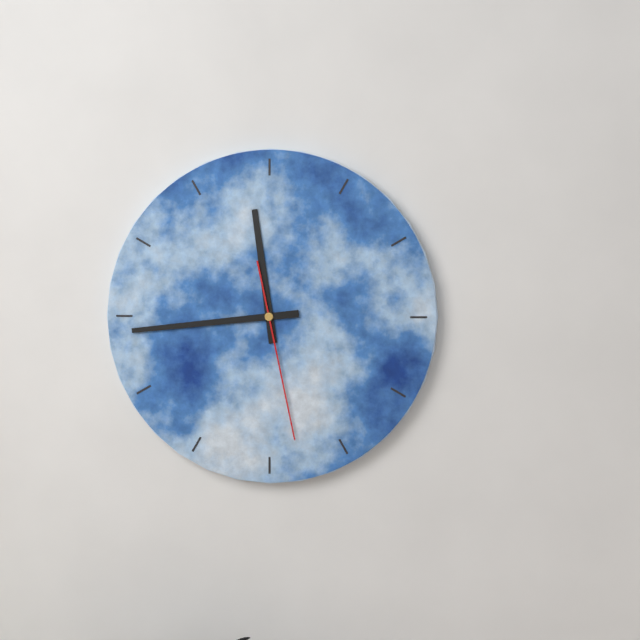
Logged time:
11:44:28
